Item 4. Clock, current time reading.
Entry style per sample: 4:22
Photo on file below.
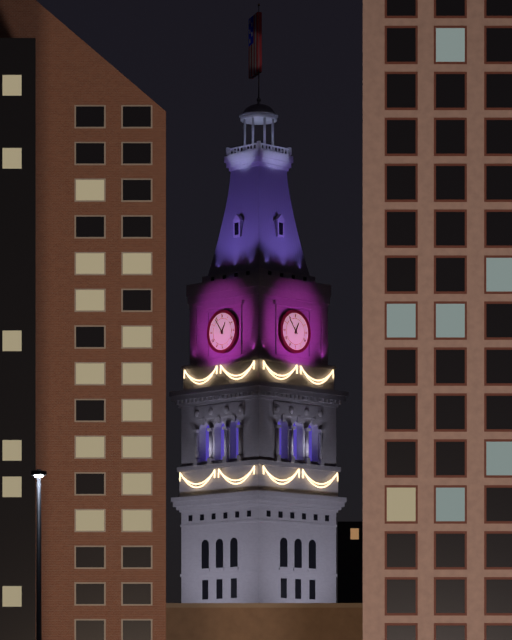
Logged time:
12:54
